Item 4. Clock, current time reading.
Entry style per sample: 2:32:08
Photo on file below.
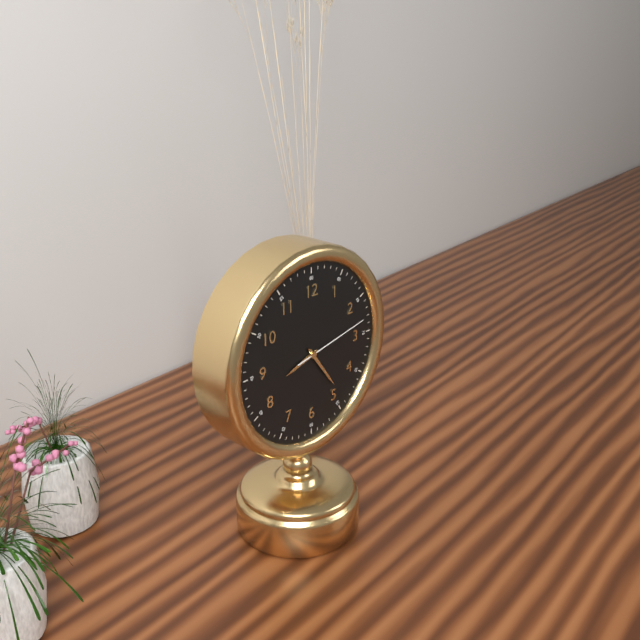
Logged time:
8:24:13
